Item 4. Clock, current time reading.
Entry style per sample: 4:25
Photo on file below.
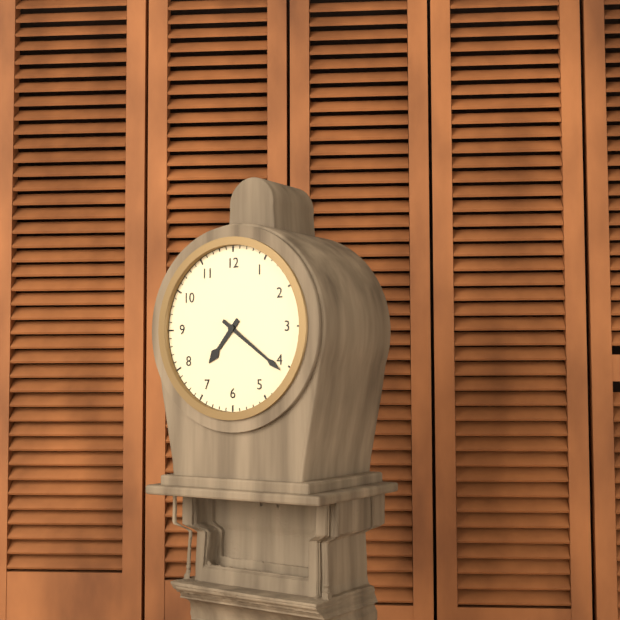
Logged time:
7:21
